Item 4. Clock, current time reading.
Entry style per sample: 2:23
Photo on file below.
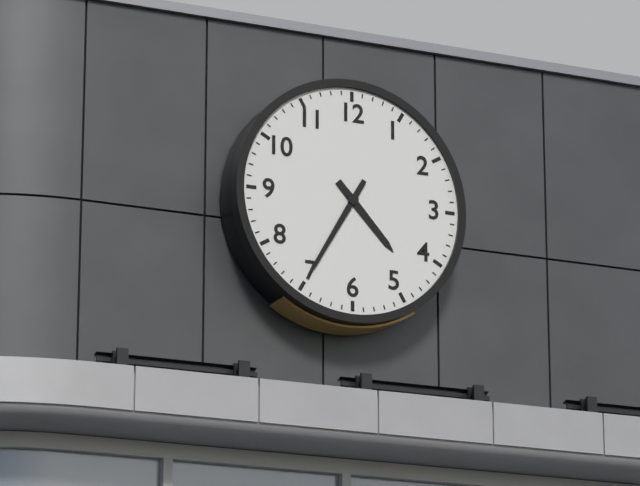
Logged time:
4:35
